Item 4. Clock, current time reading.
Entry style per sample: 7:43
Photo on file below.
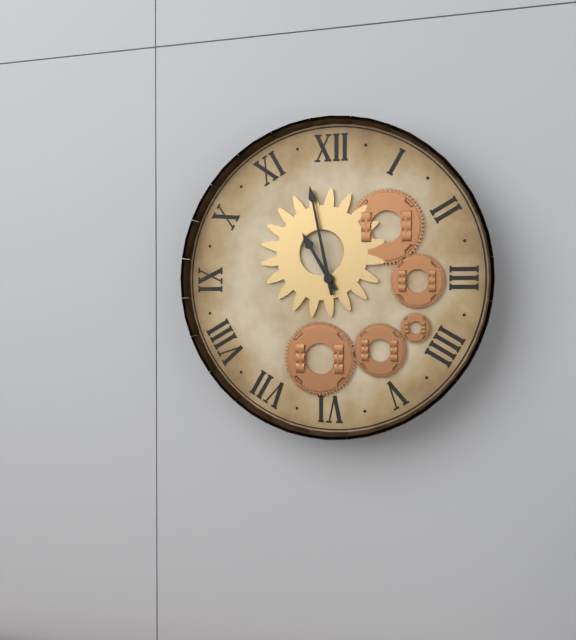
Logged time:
10:58
